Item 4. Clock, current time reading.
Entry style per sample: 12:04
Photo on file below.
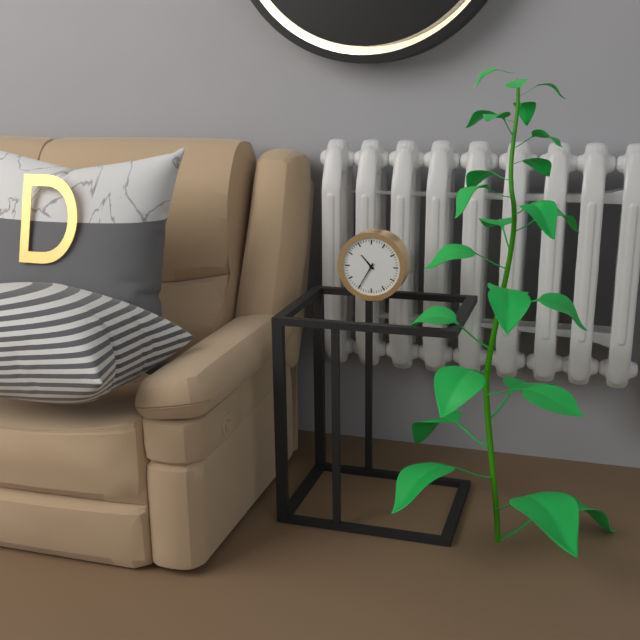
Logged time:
10:35
